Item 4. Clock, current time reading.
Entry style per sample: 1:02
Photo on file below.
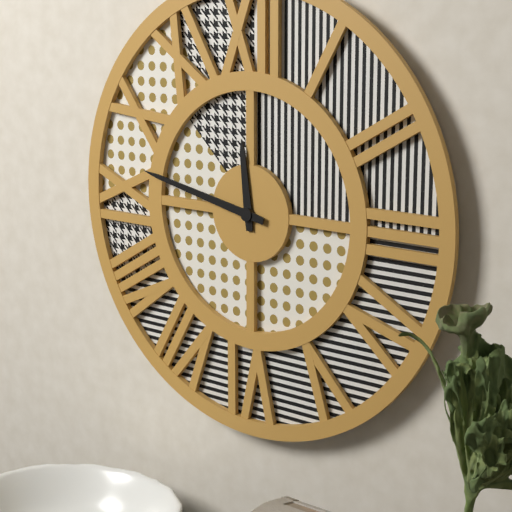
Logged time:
11:47
